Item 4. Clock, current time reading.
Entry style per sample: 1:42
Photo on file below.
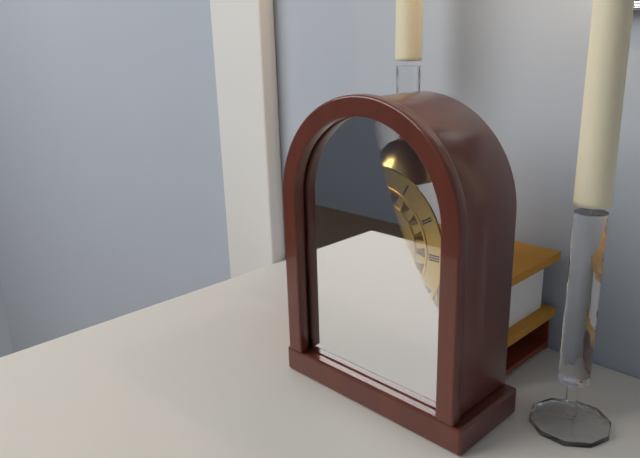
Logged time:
8:30
